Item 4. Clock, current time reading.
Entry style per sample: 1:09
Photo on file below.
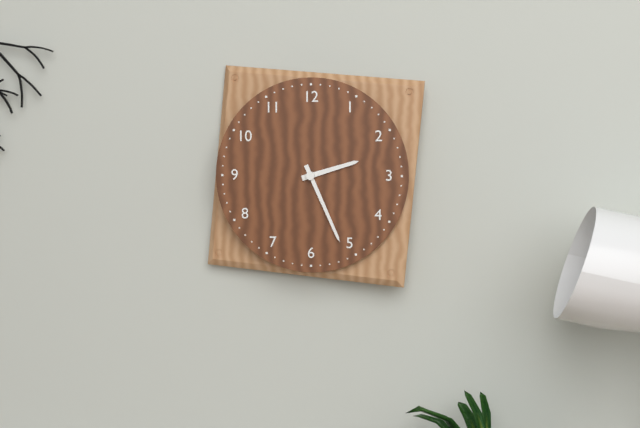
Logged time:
2:26
